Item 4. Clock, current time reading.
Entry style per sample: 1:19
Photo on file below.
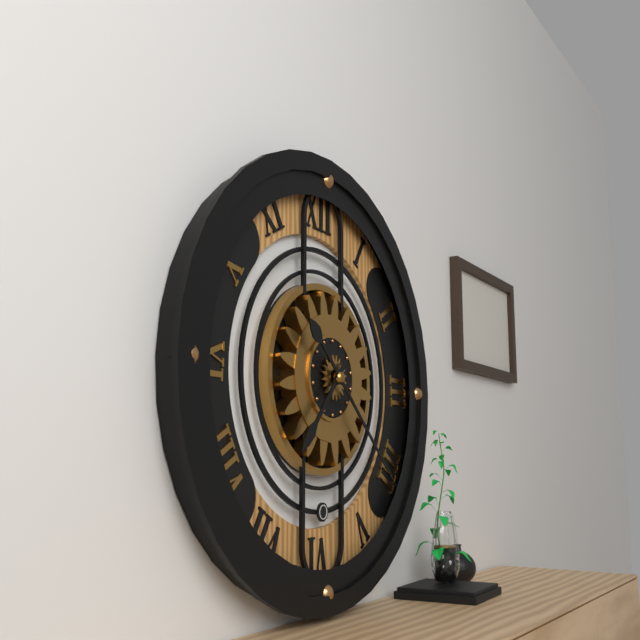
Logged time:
7:22
